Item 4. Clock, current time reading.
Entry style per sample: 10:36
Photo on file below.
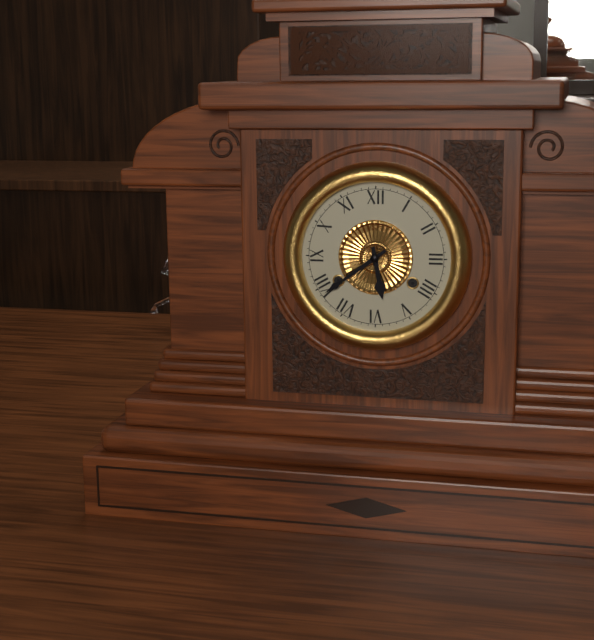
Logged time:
5:39
